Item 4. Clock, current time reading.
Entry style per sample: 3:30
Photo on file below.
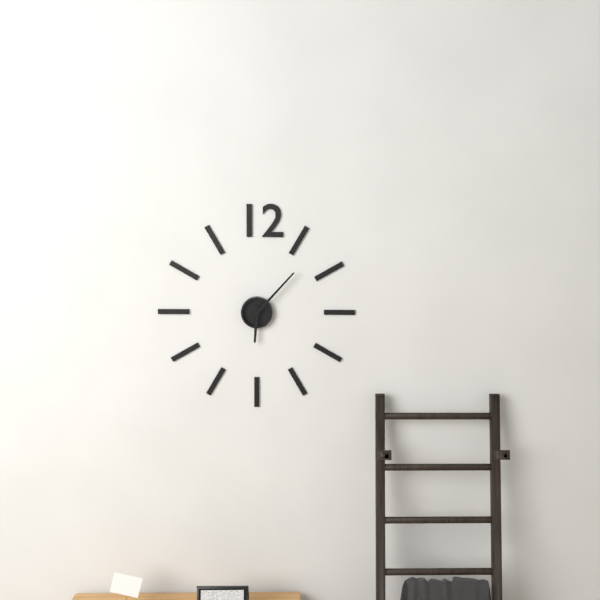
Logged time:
6:07
